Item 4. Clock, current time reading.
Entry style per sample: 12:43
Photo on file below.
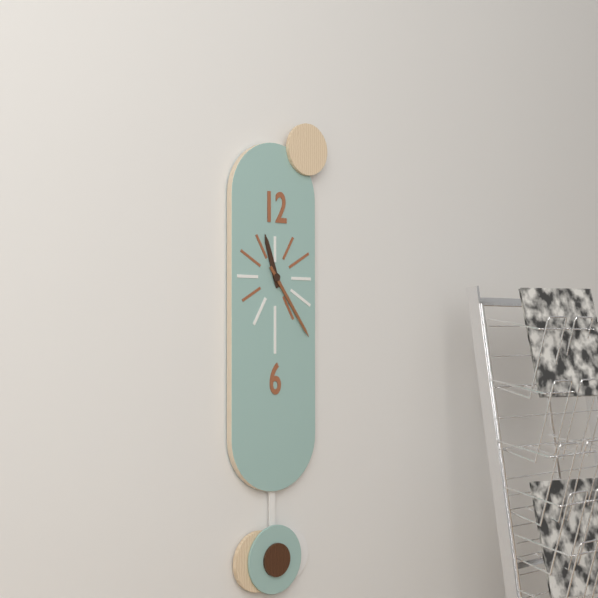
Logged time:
11:24
